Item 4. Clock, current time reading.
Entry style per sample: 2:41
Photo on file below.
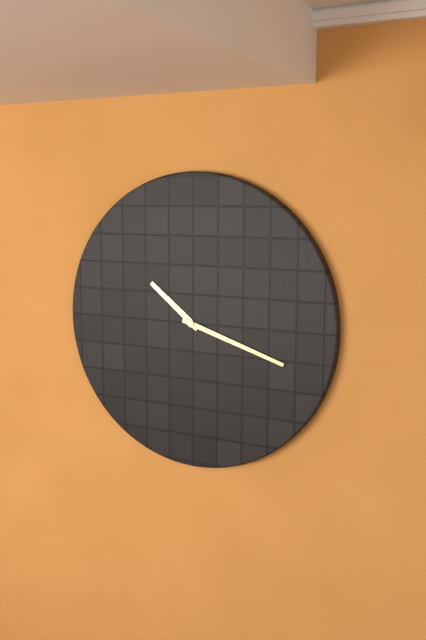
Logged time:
10:18
